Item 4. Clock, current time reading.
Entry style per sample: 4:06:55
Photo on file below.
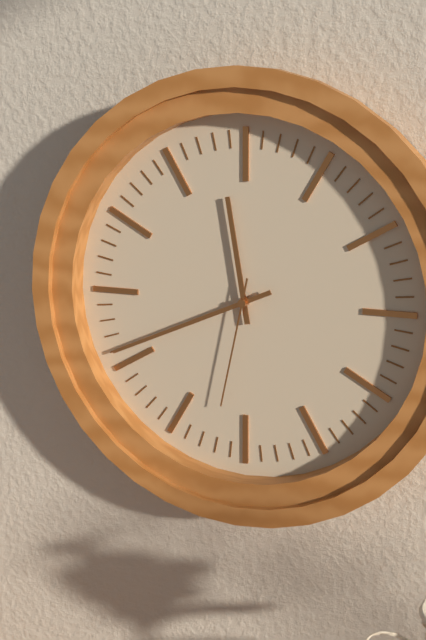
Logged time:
11:41:32
